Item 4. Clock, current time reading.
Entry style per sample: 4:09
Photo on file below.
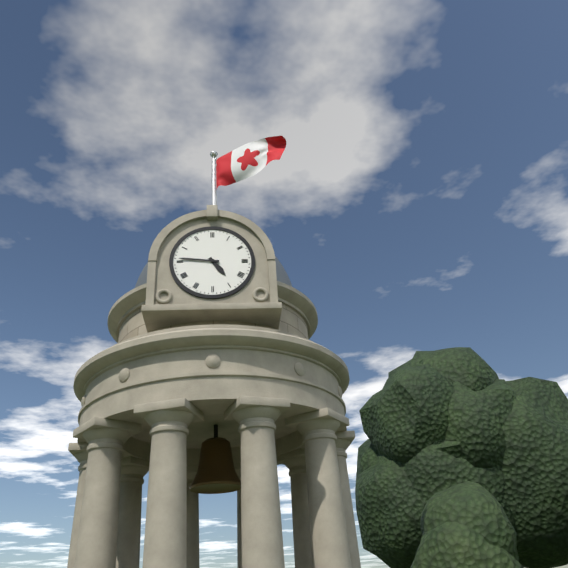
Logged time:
4:46
